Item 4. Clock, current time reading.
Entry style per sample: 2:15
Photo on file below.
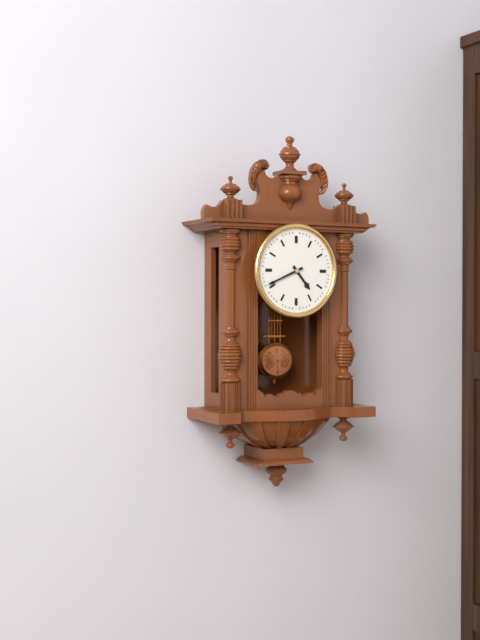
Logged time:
4:41
